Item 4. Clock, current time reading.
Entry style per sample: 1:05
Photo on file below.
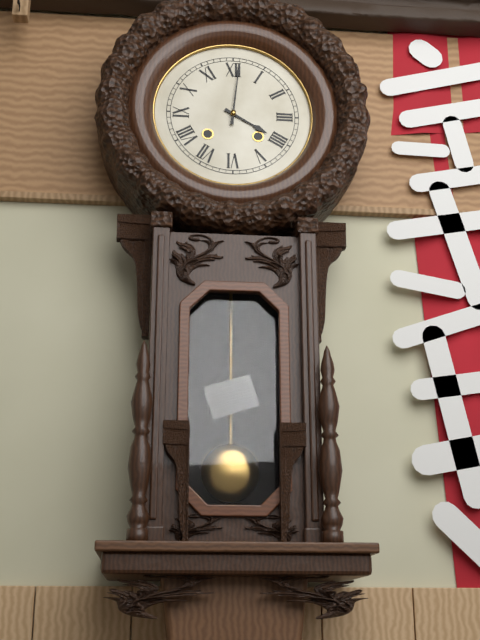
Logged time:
4:01
